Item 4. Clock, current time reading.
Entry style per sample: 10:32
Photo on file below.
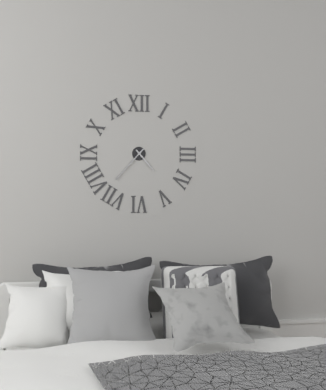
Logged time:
4:37
